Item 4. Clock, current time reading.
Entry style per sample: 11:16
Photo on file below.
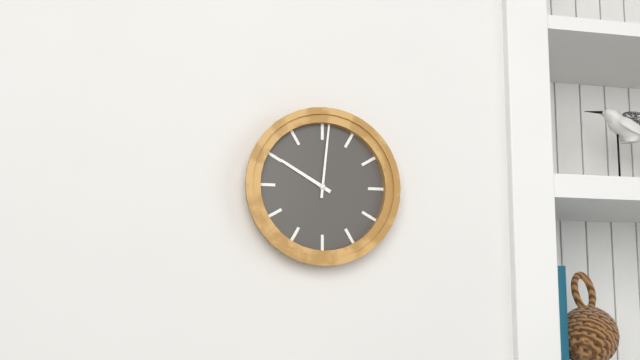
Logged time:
10:01
